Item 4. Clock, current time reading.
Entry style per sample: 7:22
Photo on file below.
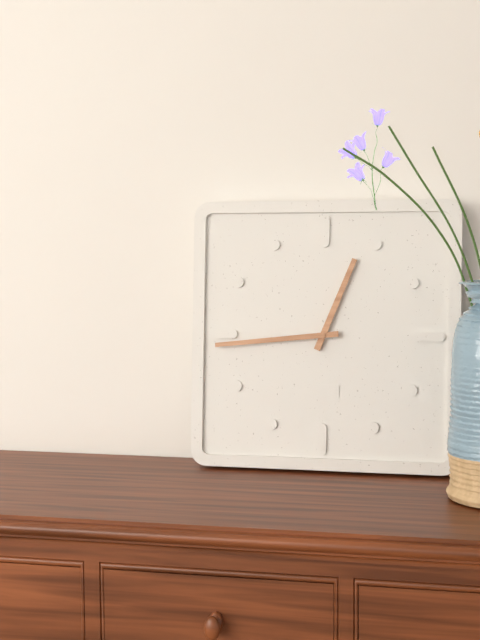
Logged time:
12:44
